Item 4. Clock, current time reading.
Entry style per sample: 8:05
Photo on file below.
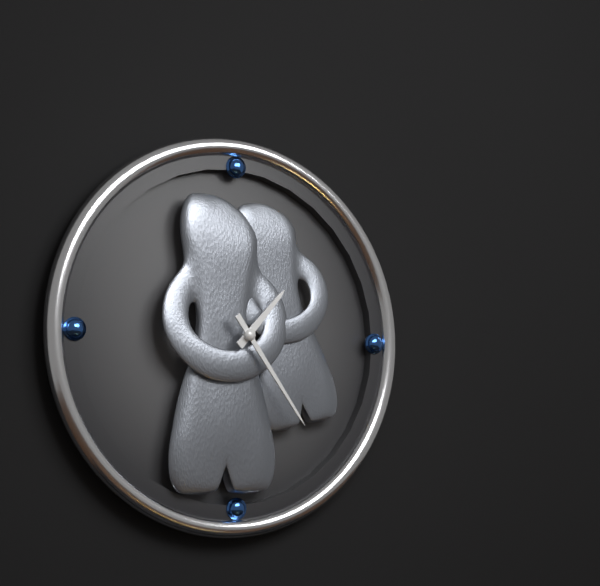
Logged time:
1:24
